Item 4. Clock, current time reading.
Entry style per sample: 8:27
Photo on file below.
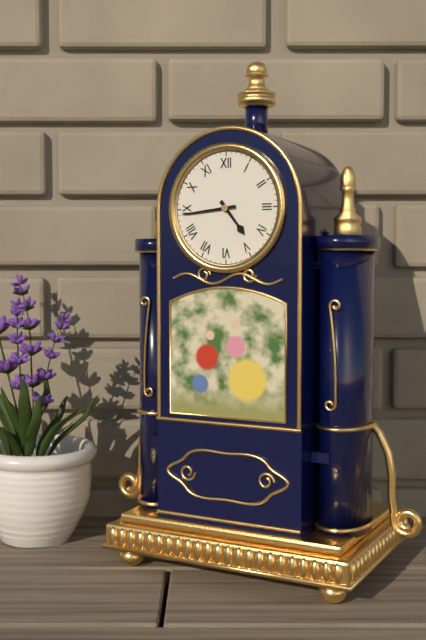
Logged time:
4:44
